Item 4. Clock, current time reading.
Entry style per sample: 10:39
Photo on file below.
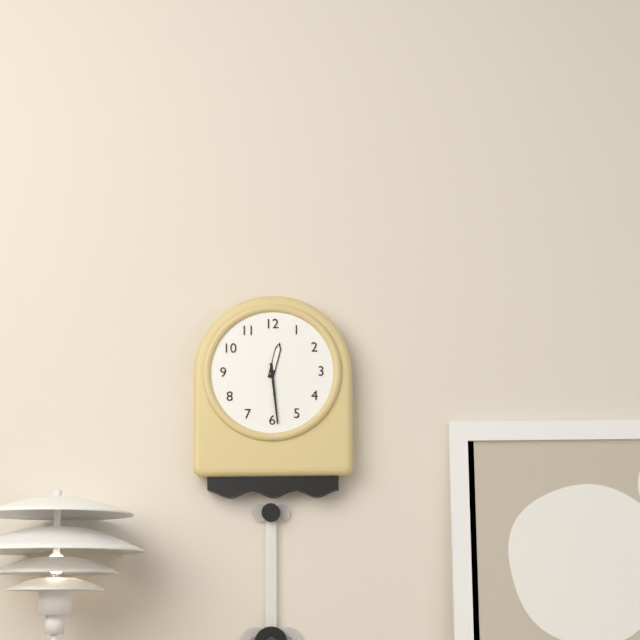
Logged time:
12:29
